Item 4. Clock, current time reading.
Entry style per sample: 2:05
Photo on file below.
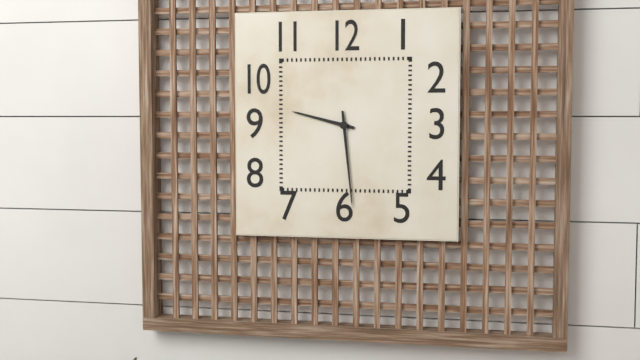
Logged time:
9:29
